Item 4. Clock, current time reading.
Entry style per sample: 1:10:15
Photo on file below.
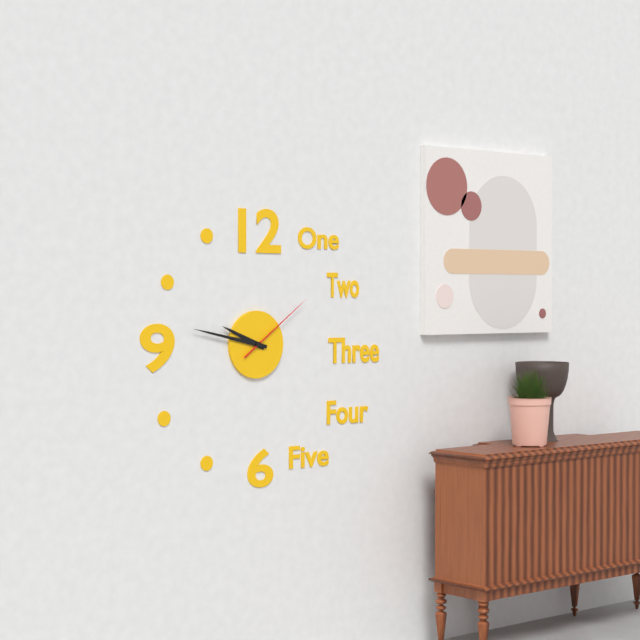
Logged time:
9:47:09
